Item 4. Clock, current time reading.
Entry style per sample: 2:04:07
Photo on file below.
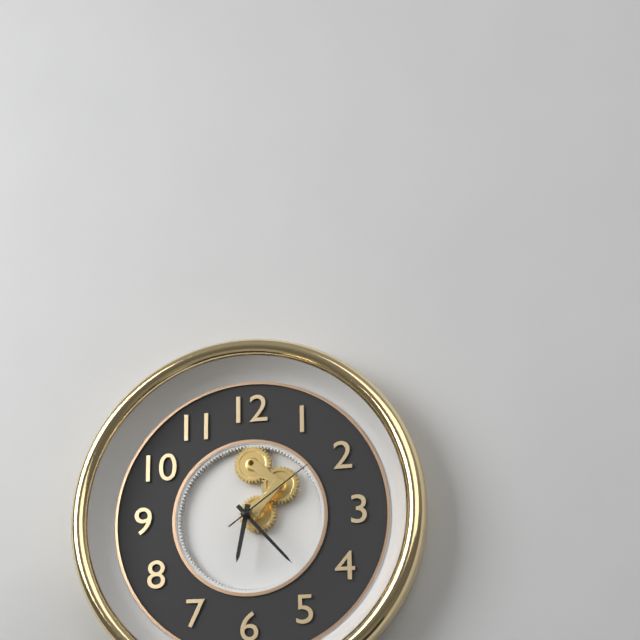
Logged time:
6:23:09
